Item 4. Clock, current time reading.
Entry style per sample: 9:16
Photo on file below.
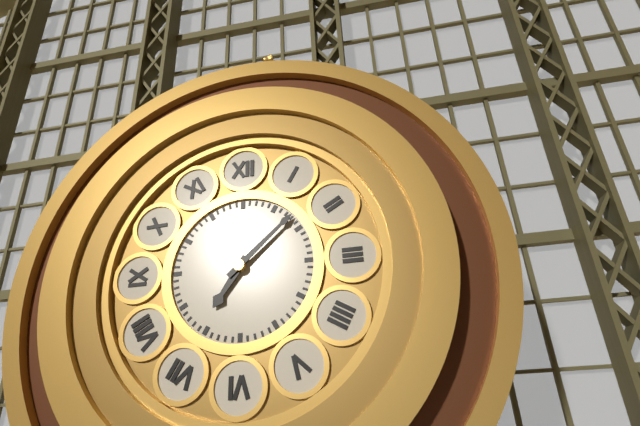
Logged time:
7:08
